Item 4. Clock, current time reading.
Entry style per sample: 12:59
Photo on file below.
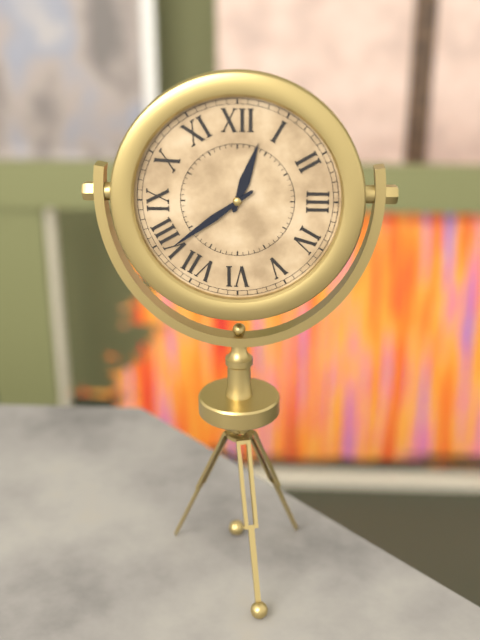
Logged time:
12:39
